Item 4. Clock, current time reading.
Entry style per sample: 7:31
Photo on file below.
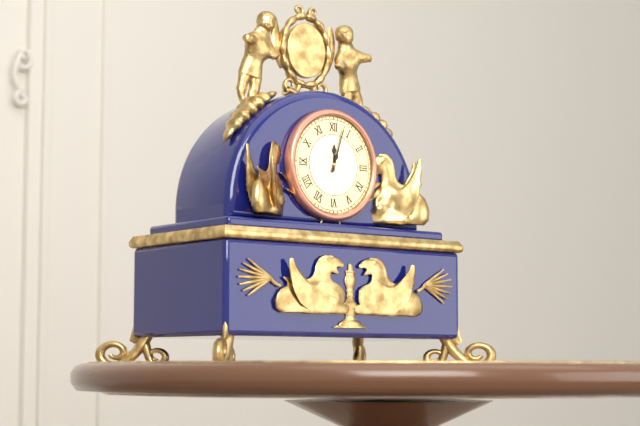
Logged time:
12:03
